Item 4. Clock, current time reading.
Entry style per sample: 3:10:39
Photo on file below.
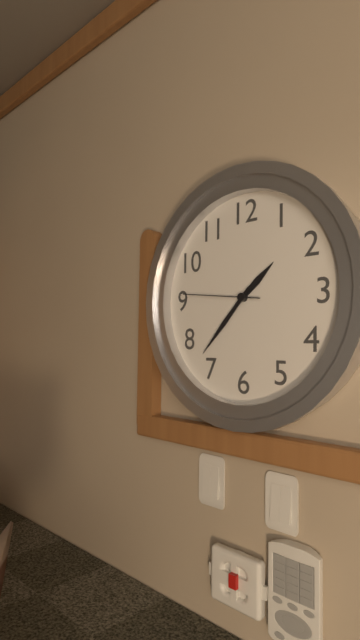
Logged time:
1:37:46
